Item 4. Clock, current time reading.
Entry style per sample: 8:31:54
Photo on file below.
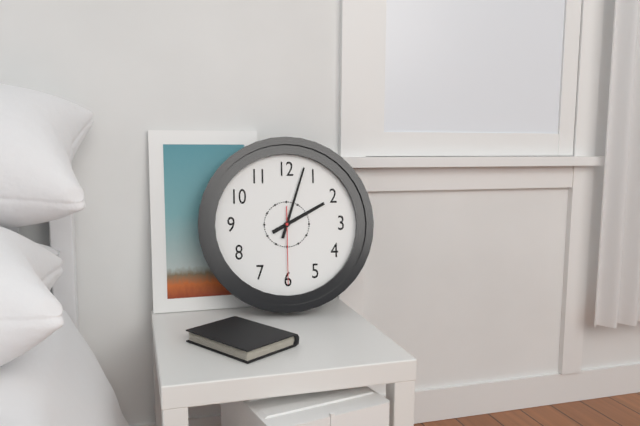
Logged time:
2:03:30
